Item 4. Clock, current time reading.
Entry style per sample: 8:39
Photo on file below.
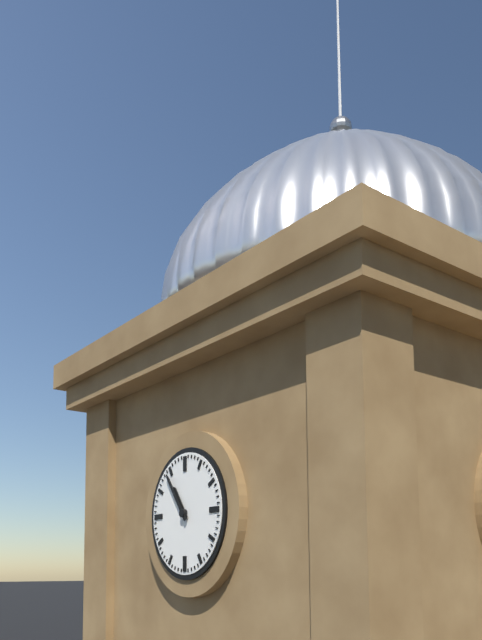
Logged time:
10:54
